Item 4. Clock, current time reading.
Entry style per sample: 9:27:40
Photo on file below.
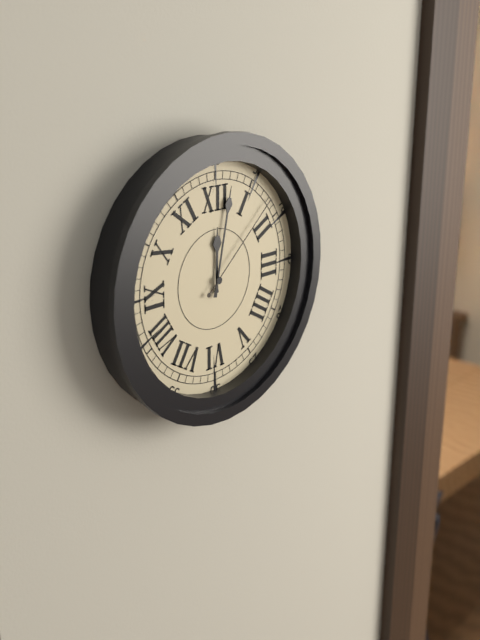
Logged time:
12:02:08
